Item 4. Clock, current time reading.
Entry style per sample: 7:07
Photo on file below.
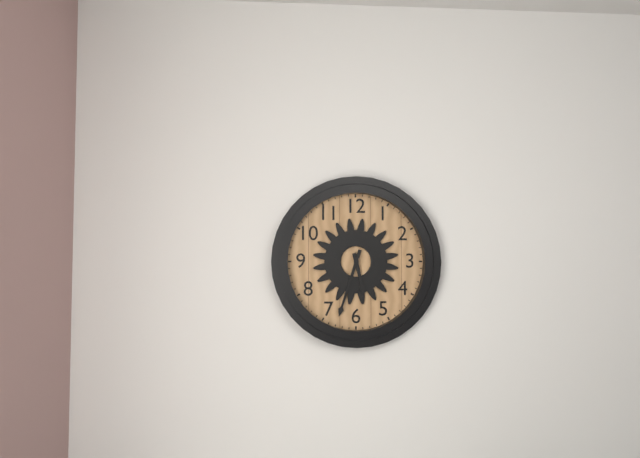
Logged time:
5:33
